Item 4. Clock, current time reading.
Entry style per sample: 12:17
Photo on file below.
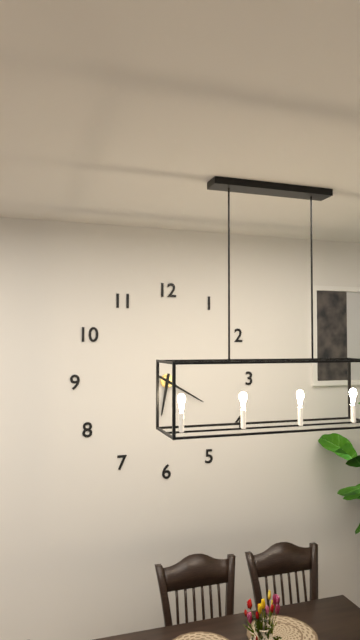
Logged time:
6:20
